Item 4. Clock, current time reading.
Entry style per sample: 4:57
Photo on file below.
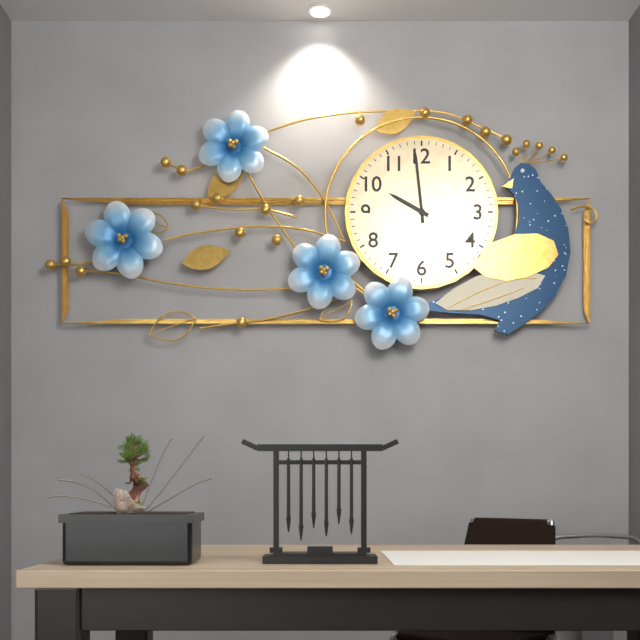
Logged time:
9:59
